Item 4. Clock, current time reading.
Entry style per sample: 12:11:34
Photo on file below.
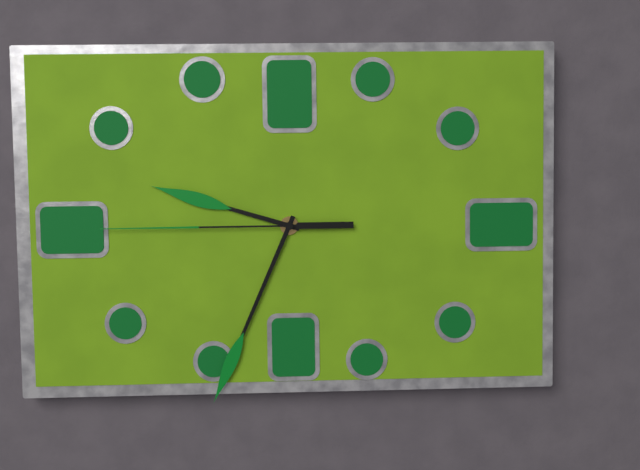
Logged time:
9:34:45
